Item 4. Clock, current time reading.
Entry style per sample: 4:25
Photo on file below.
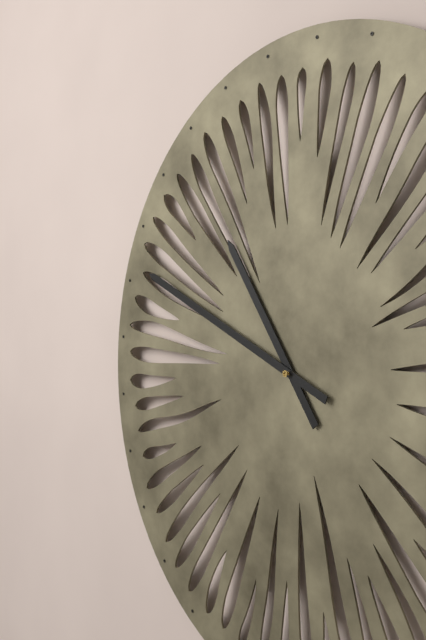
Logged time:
10:49
